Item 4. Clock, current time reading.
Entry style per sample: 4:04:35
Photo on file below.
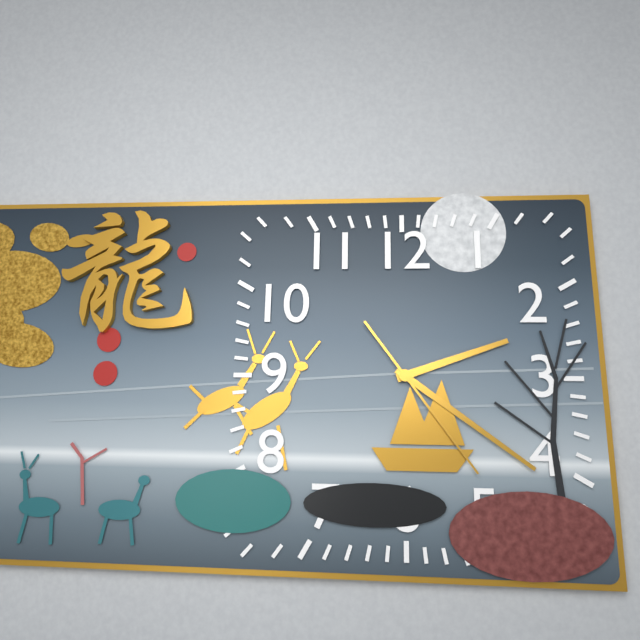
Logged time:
2:21:24
